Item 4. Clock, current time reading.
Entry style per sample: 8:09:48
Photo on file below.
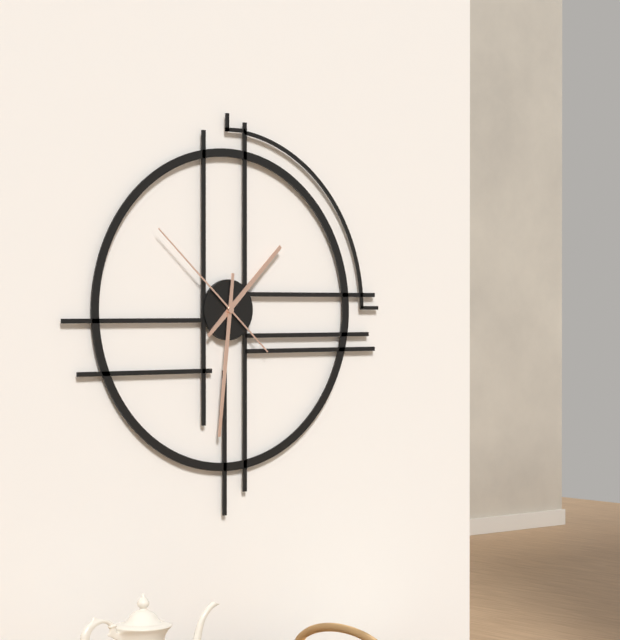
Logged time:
1:31:52
